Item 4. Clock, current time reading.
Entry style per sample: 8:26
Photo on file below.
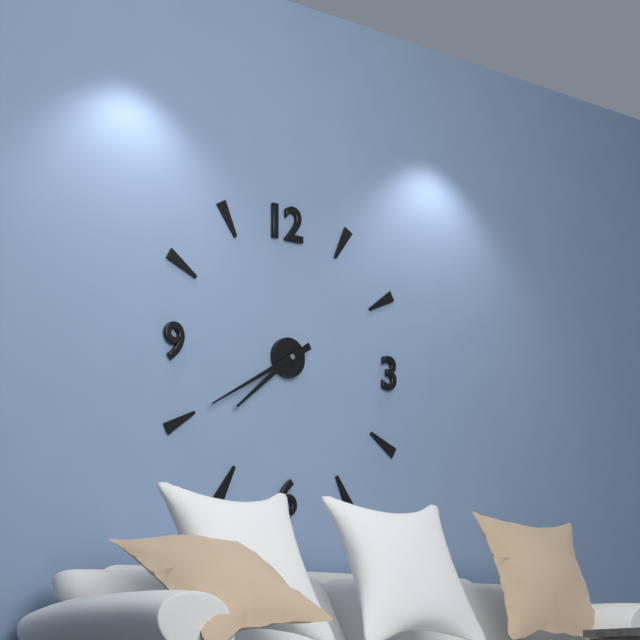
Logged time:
7:40
